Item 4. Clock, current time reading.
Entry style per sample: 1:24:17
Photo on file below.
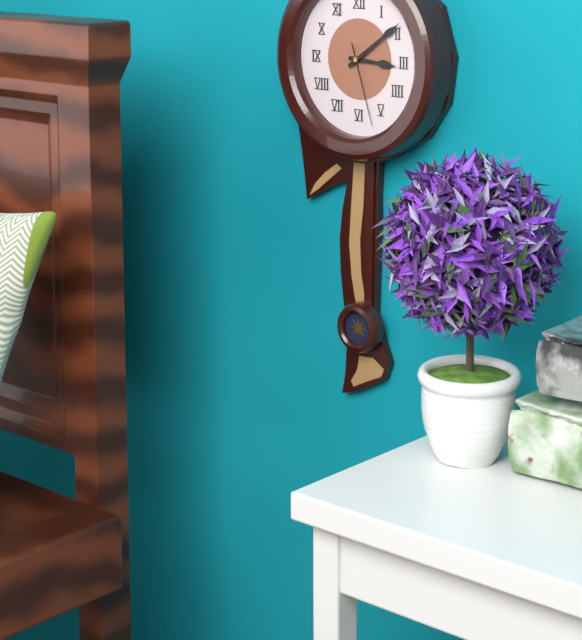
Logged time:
3:09:27
